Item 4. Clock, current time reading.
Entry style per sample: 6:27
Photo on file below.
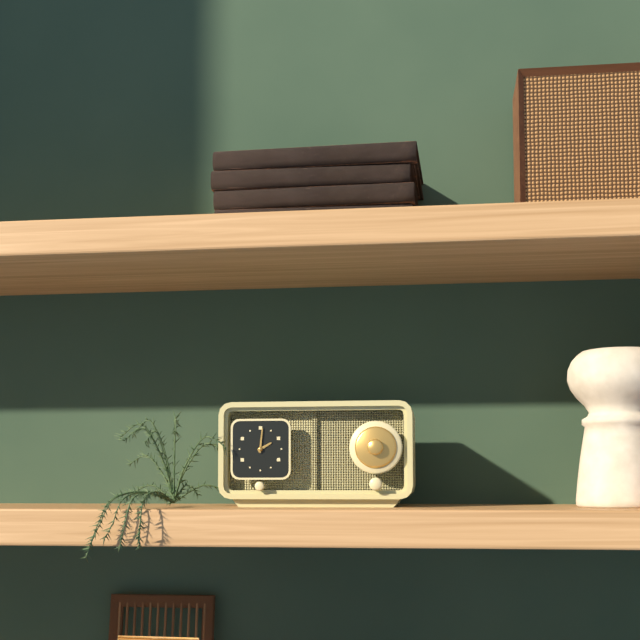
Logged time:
2:01
